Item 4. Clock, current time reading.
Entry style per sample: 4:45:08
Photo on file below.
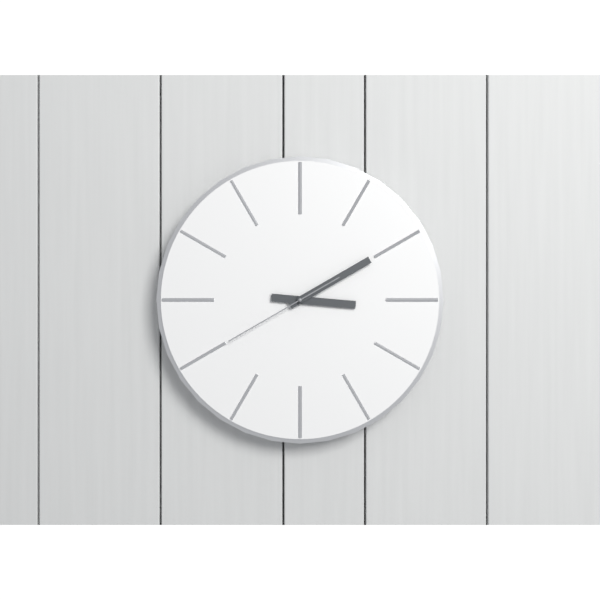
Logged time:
3:10:40
